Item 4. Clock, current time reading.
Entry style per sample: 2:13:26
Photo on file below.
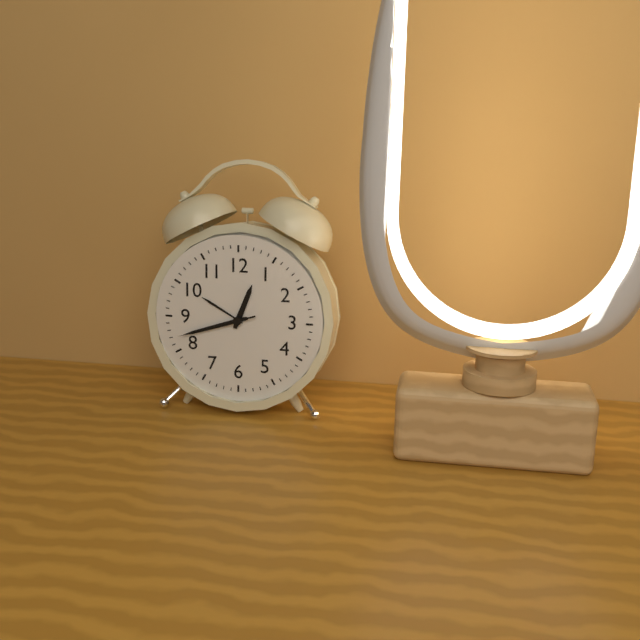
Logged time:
12:42:42
